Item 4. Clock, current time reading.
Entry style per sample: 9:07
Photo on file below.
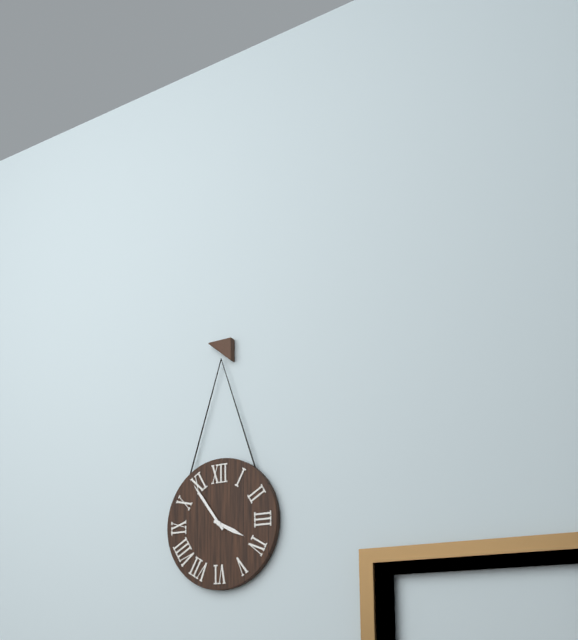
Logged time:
3:54
